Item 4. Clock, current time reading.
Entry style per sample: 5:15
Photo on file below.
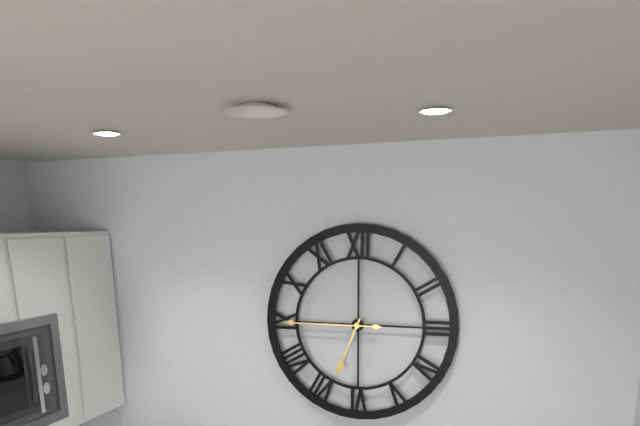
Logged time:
6:45
